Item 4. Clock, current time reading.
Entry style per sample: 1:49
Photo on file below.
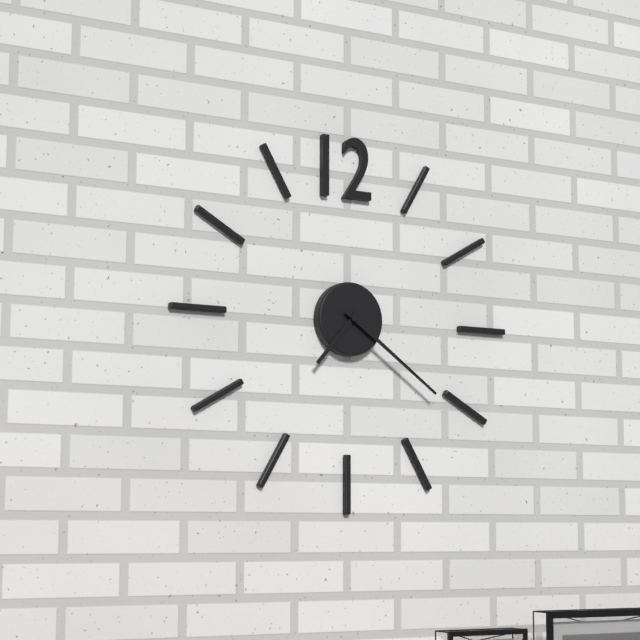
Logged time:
7:21
